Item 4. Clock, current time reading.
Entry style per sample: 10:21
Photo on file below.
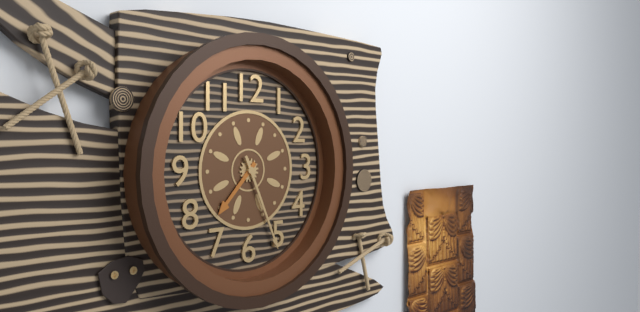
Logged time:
7:26
